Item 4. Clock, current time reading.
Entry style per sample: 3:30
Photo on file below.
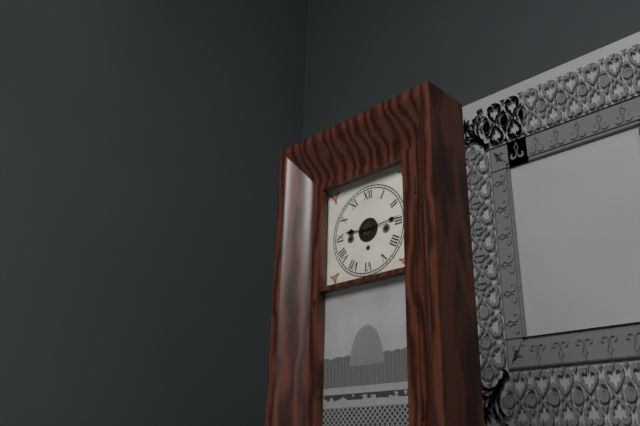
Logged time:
9:14
